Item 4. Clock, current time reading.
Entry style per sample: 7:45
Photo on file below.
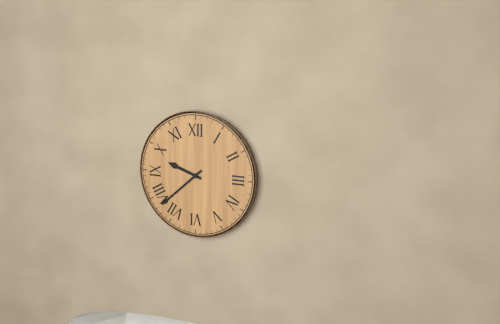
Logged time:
9:38
